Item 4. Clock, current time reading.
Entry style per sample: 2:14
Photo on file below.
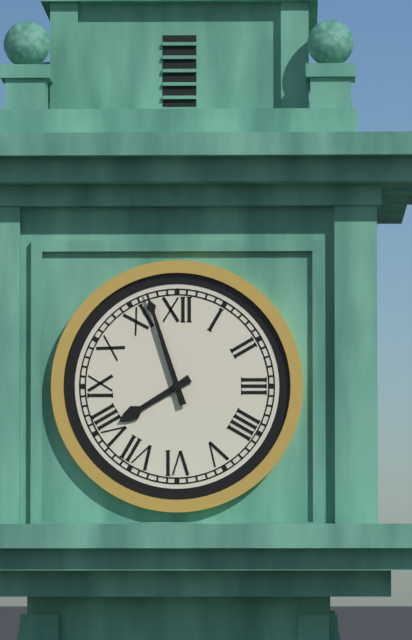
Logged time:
7:57
